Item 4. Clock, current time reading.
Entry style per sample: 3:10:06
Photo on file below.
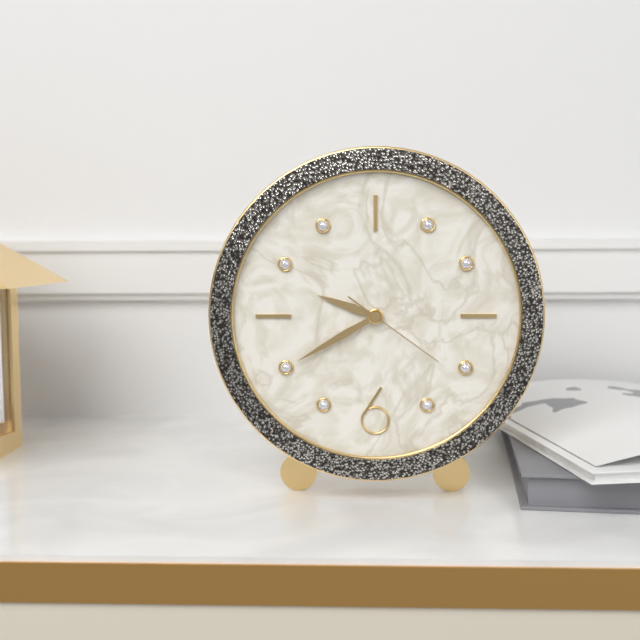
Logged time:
9:40:21
